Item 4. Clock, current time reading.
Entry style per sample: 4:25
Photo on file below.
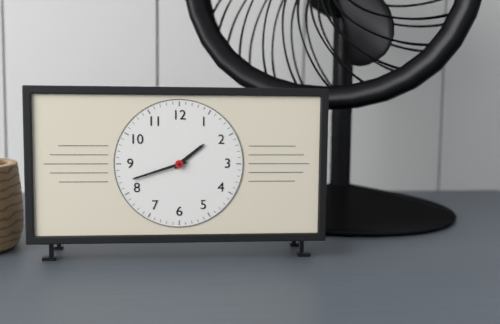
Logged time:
1:42
